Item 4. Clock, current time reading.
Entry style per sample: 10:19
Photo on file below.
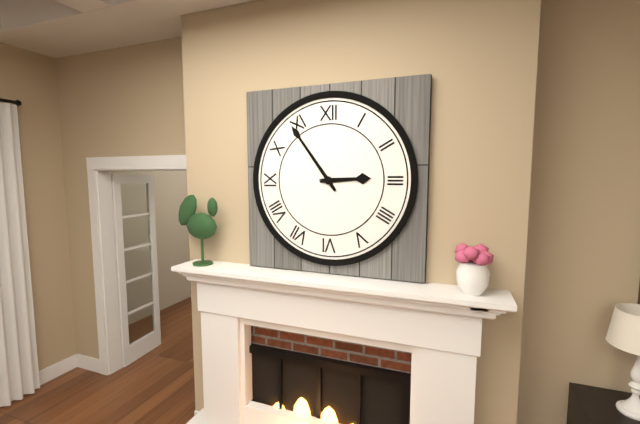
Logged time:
2:54
